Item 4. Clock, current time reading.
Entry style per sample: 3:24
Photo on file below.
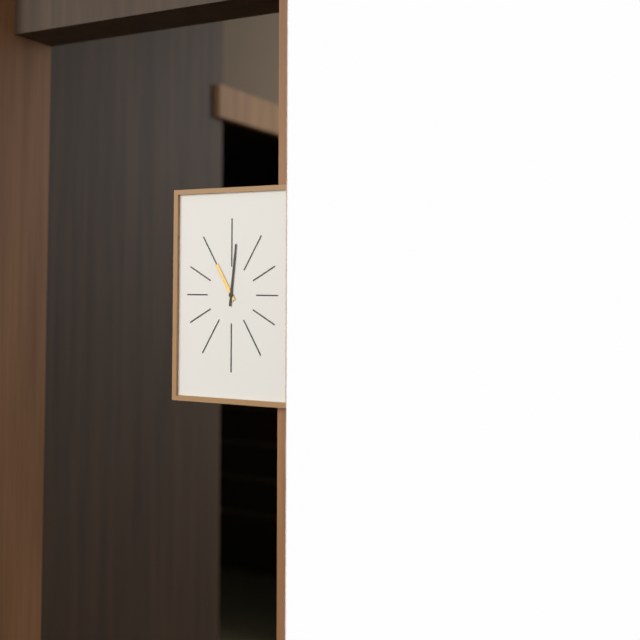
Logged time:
11:01
